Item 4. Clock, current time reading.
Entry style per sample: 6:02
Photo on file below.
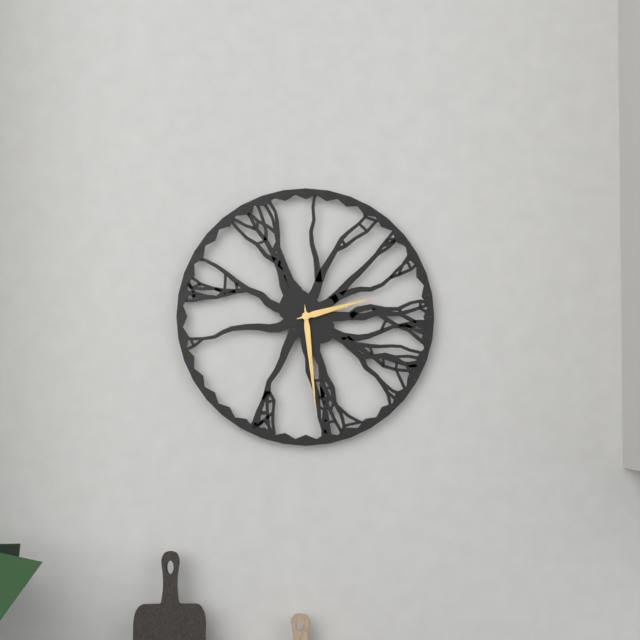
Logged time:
2:29
